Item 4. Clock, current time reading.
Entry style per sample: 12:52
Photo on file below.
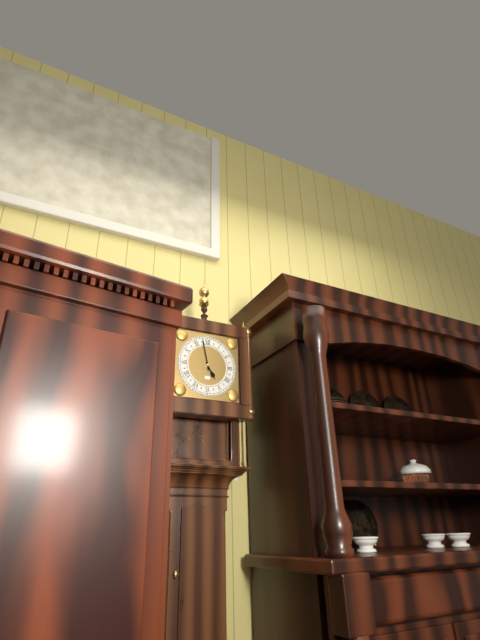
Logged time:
4:58
